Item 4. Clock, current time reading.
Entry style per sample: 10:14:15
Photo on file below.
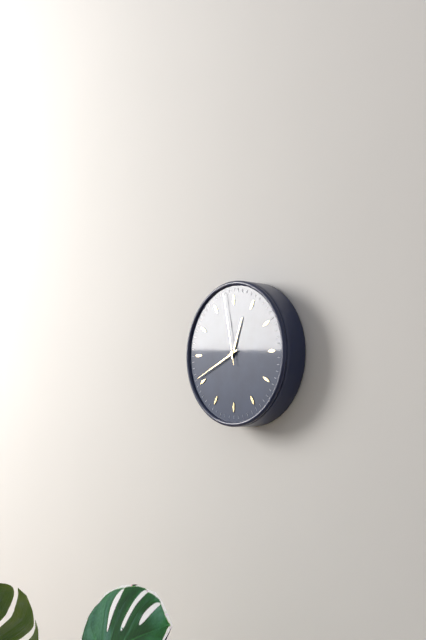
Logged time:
12:41:58
